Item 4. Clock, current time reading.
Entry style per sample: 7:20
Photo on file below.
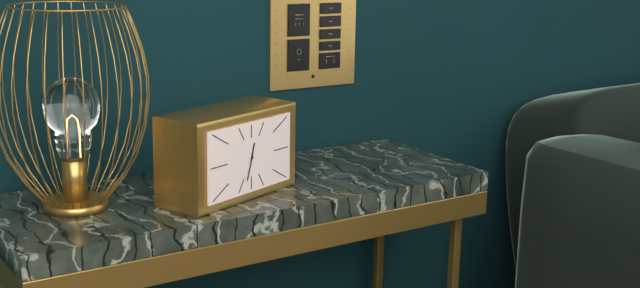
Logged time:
12:33
